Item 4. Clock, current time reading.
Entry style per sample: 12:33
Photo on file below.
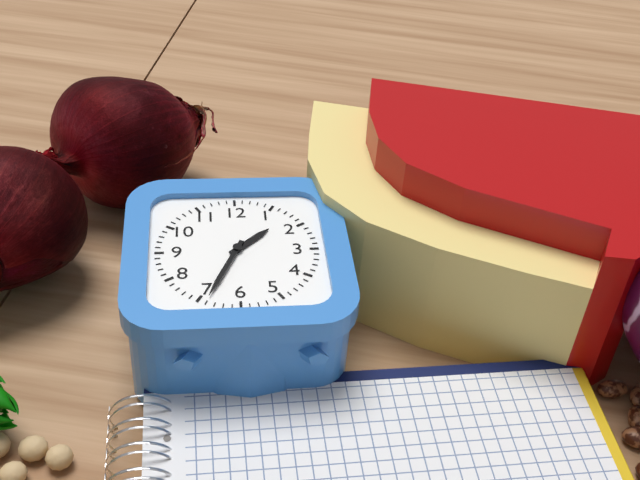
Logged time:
1:34
